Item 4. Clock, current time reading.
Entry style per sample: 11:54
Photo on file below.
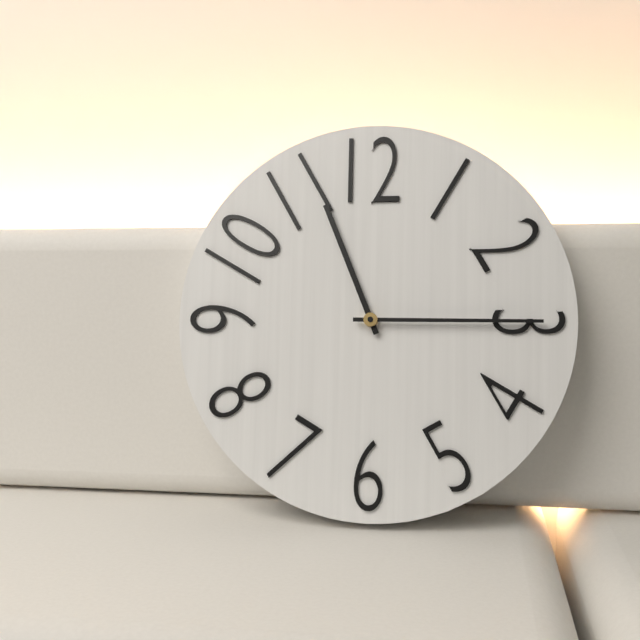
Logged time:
11:15
